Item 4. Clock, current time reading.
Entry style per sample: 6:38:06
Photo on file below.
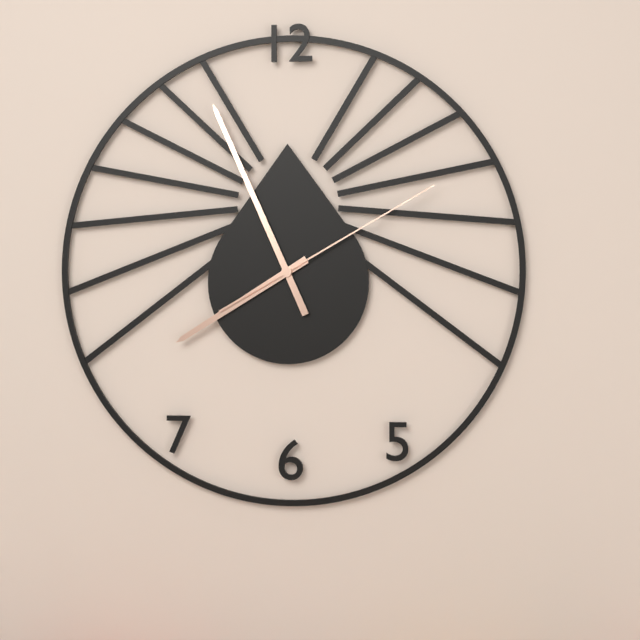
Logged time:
7:56:10
